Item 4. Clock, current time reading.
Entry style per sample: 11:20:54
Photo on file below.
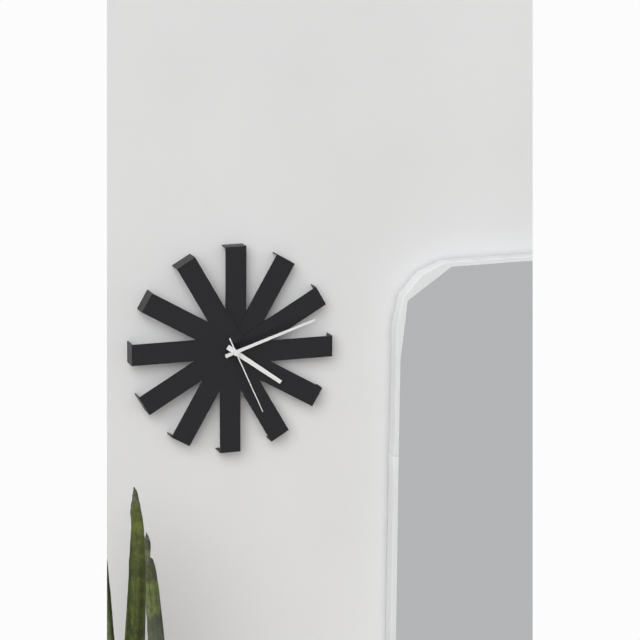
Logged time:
4:12:26
